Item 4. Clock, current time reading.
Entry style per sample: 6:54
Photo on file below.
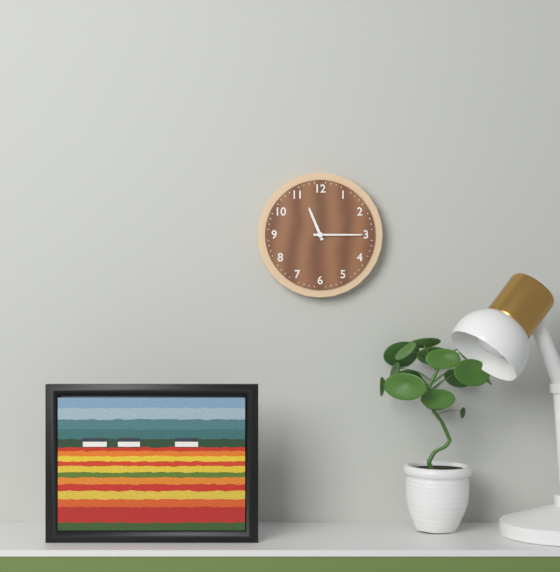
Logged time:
11:15
